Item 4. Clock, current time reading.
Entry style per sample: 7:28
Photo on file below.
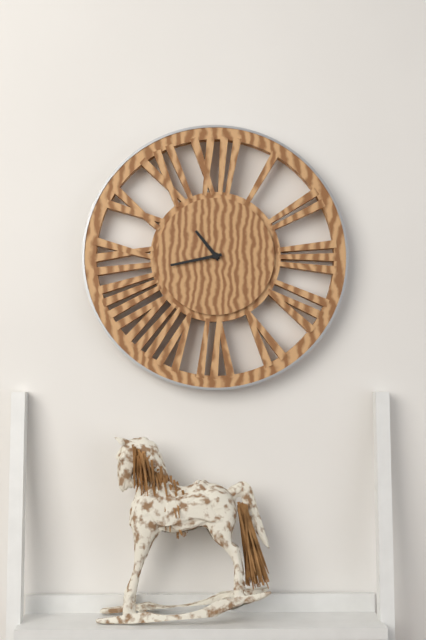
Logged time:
10:43
